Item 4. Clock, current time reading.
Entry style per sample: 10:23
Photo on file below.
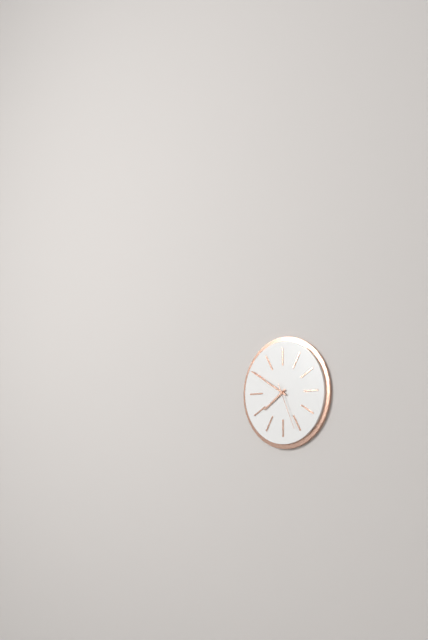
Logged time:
7:50
